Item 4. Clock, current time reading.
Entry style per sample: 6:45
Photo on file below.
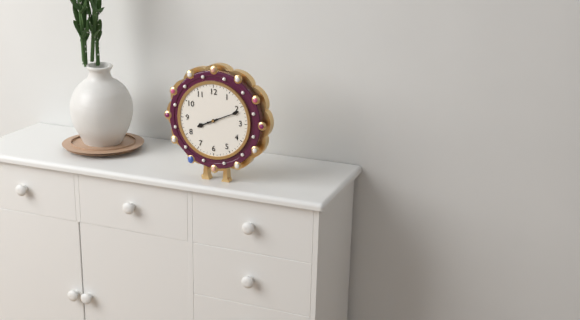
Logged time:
8:11
